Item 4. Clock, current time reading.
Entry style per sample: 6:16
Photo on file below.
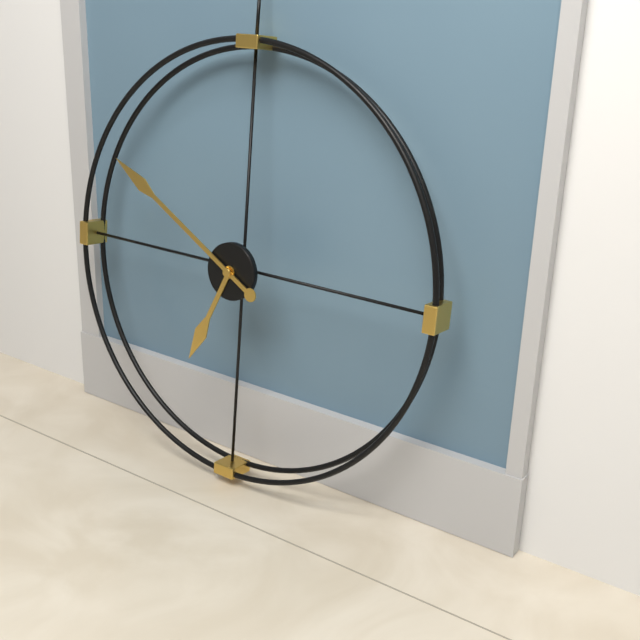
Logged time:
6:50
